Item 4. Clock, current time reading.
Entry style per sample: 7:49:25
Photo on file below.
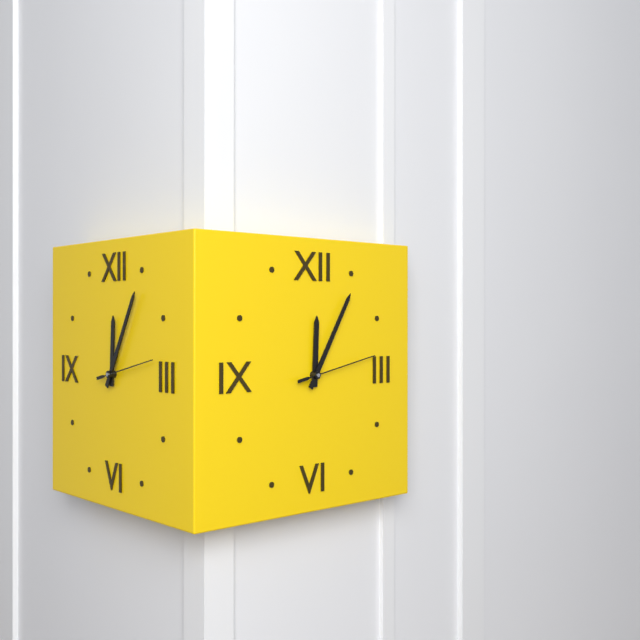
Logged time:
12:05:13
